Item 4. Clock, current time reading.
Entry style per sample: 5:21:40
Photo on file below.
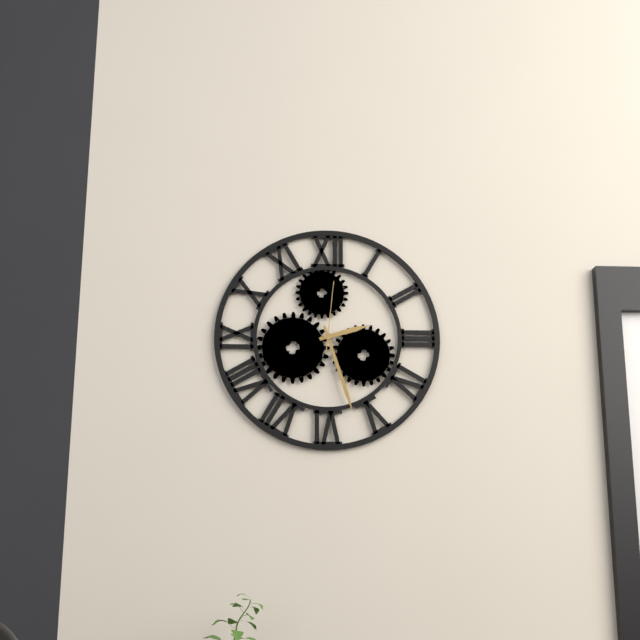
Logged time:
2:27:01
